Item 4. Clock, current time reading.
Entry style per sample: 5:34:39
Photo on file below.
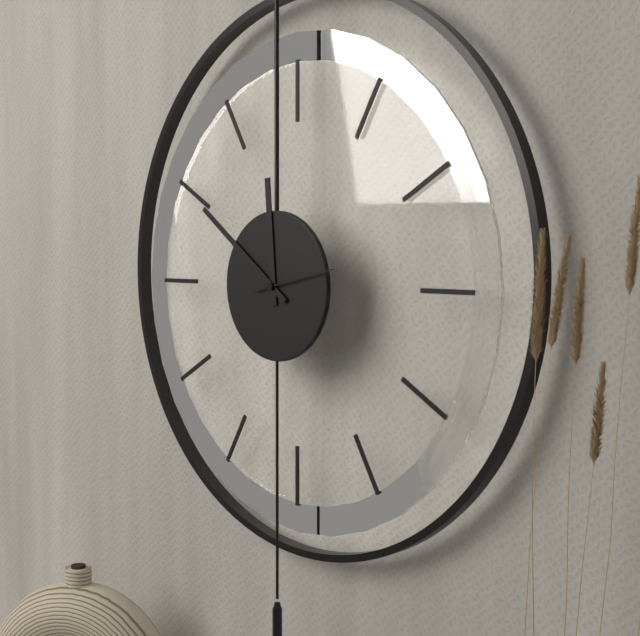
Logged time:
11:51:13
